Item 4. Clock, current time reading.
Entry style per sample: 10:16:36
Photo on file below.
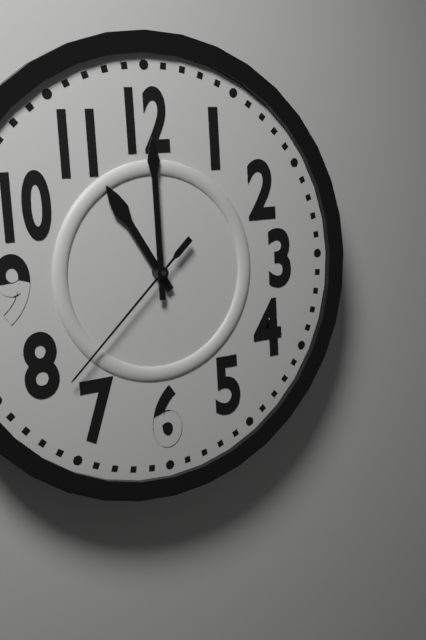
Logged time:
11:00:38
